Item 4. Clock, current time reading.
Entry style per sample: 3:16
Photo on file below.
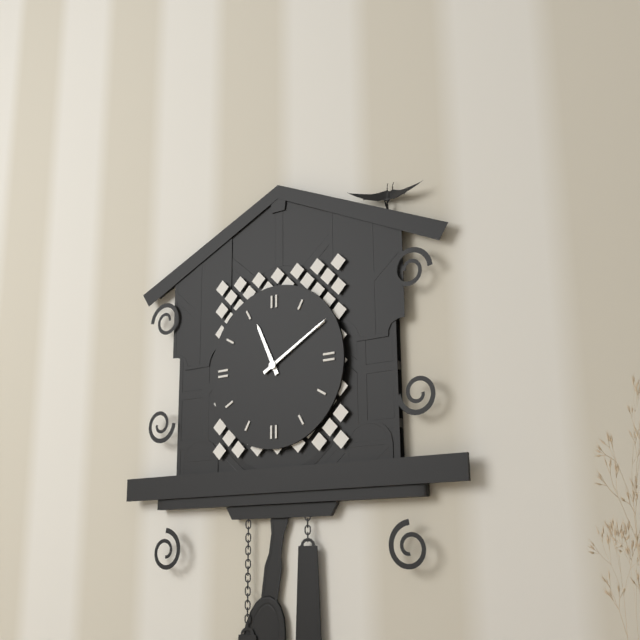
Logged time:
11:10
